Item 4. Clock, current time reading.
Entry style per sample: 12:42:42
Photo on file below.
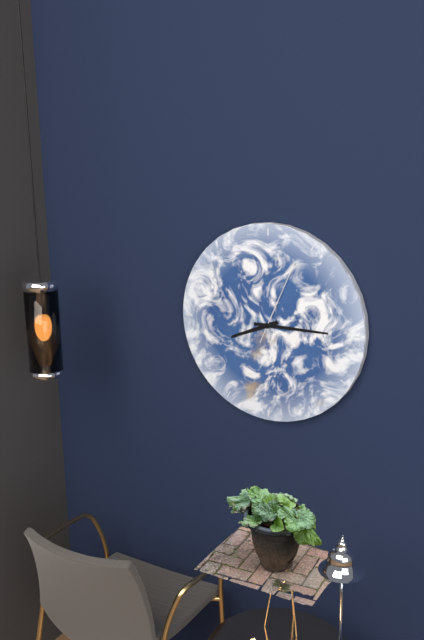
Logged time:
8:15:04
